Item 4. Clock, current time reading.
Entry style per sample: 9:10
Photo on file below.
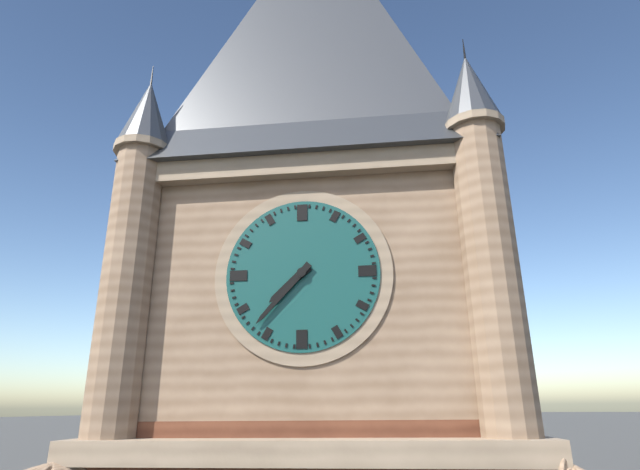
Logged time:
7:37
